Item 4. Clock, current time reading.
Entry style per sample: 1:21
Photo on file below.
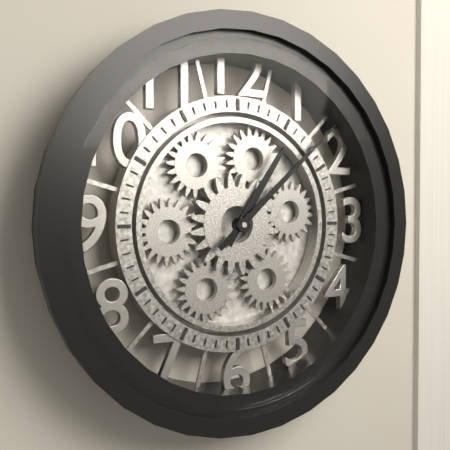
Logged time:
1:08
